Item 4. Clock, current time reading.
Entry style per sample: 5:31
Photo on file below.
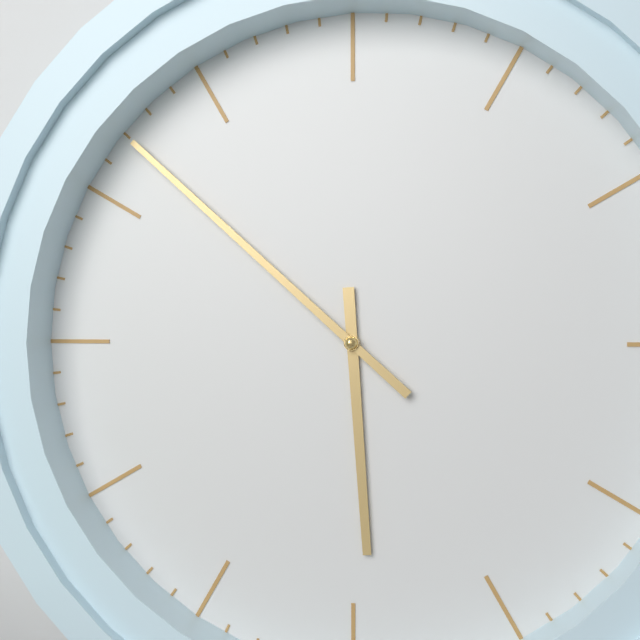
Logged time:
5:52
